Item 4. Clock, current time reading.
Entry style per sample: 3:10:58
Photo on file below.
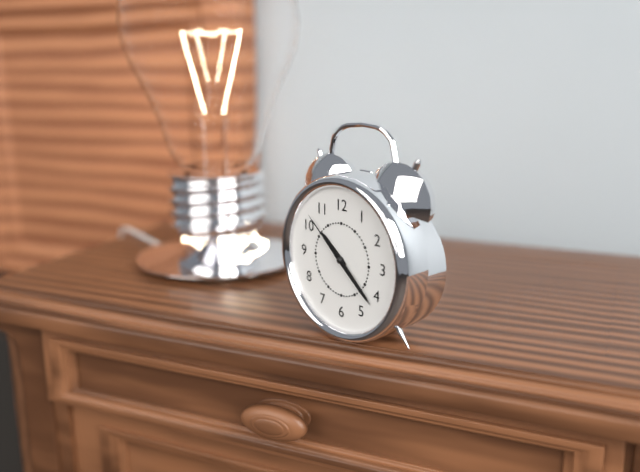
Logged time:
10:22:52
